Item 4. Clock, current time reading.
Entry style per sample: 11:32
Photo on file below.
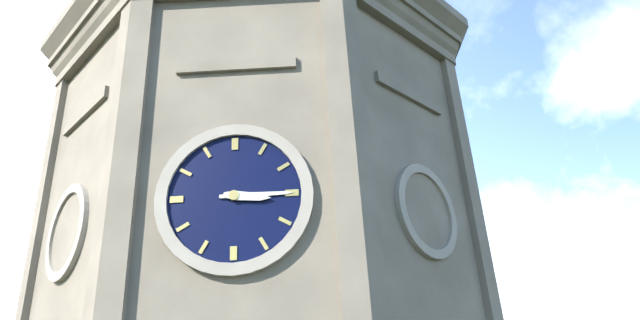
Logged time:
3:15
